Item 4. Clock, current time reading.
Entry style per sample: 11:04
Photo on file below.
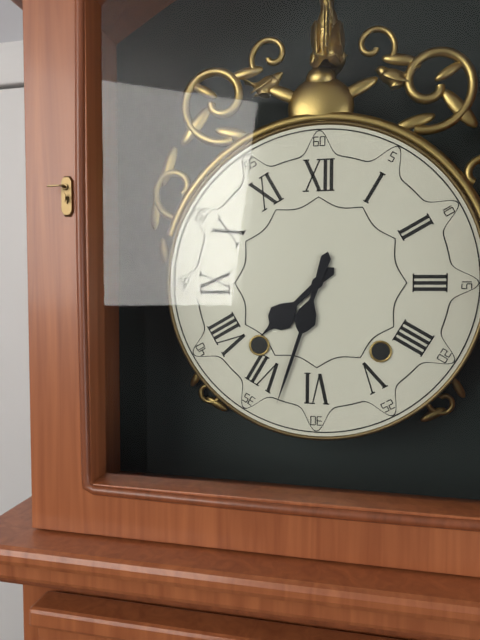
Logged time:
7:33
